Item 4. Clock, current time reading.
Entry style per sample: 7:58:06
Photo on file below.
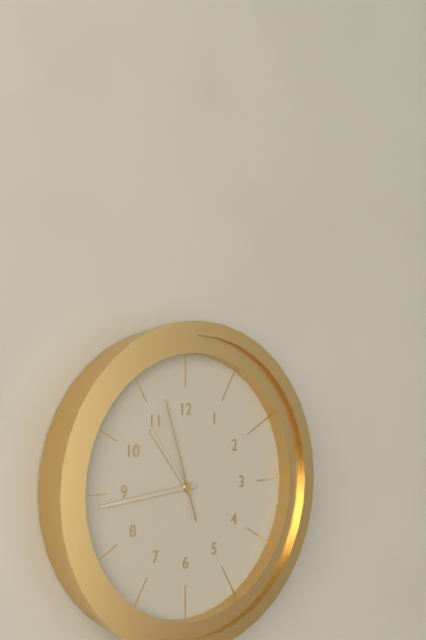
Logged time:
10:44:57
